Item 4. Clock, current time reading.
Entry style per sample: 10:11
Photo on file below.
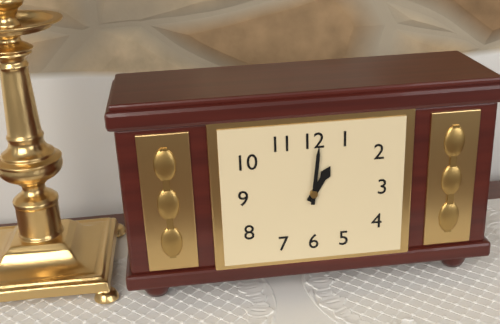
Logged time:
1:01
